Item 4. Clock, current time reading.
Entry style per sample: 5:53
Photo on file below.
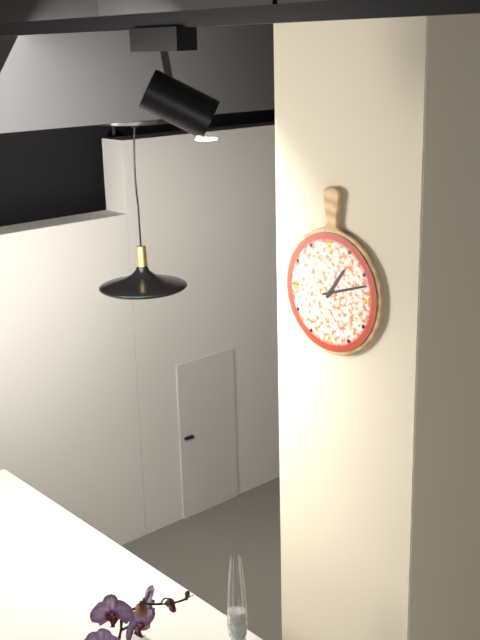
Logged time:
1:12
